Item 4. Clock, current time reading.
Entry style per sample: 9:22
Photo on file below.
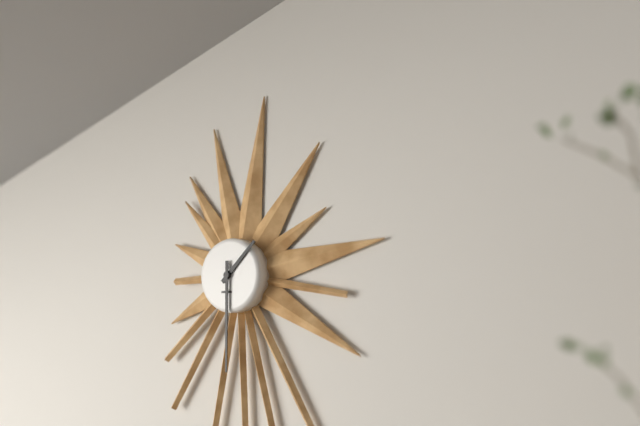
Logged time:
1:30
